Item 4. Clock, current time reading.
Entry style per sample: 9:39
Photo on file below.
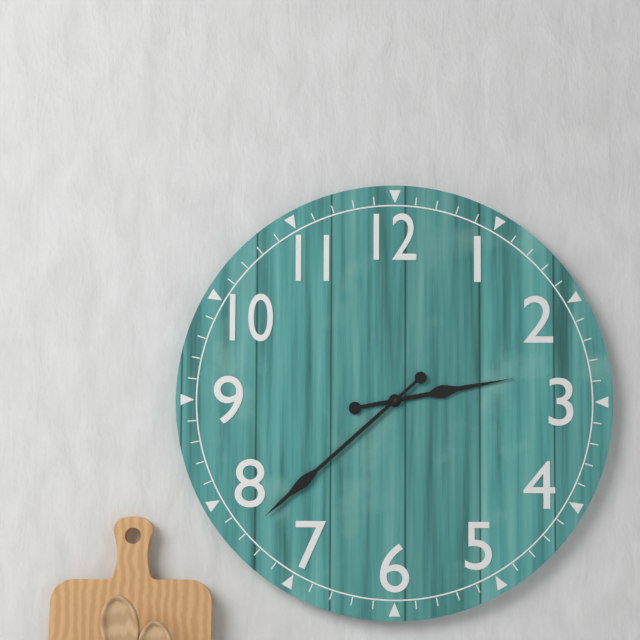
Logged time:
2:38
